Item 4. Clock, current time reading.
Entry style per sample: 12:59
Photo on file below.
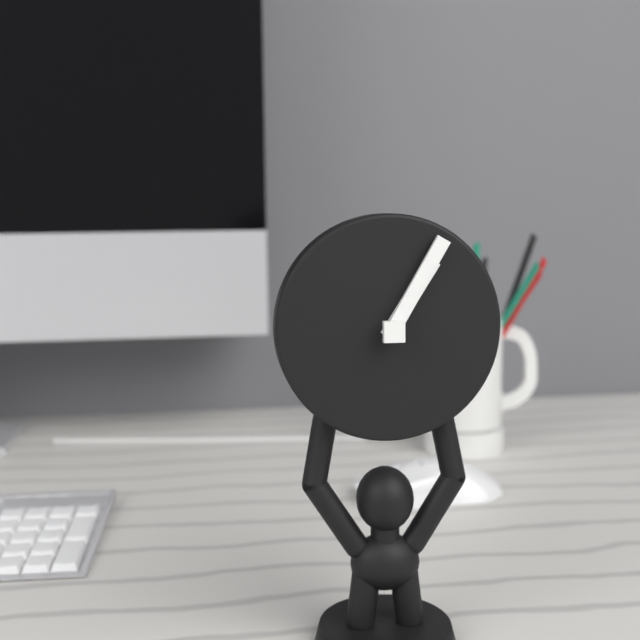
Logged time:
1:05
